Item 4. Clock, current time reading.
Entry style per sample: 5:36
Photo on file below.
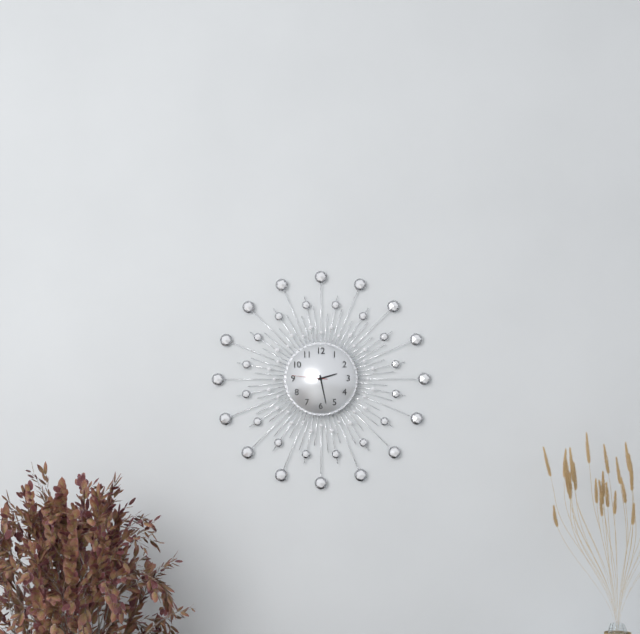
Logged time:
2:28
